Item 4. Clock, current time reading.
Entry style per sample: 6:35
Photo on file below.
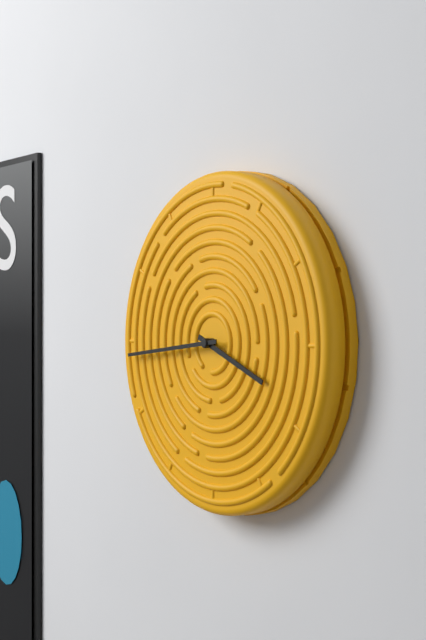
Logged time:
3:44
